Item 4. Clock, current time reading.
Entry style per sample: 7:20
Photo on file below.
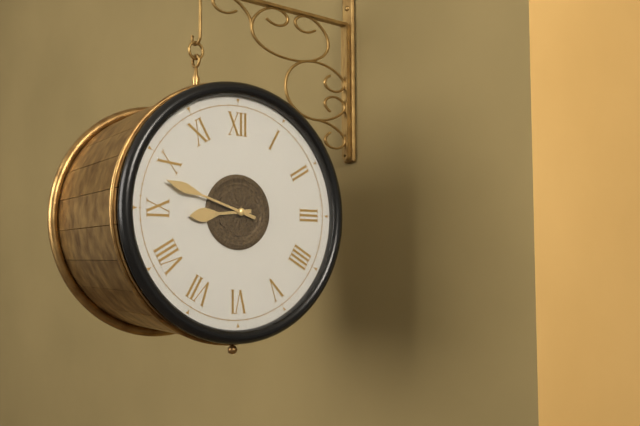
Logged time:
8:48
